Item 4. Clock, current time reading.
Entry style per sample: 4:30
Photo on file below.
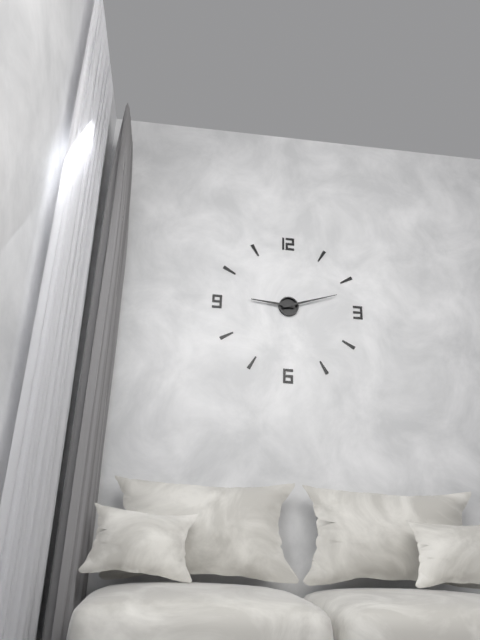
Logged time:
9:12
